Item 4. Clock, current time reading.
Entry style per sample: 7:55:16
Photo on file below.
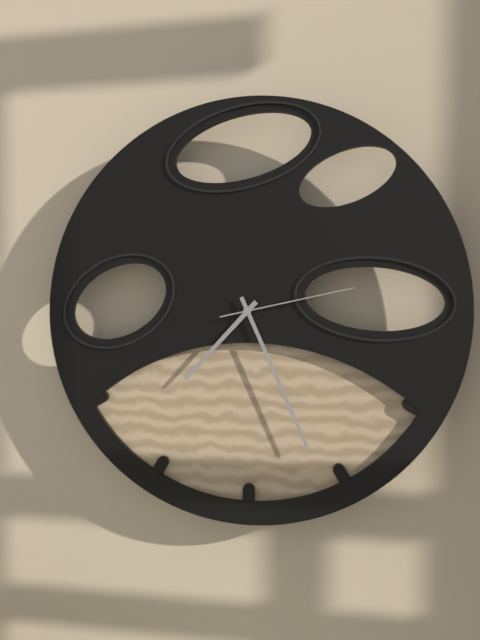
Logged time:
7:26:13
